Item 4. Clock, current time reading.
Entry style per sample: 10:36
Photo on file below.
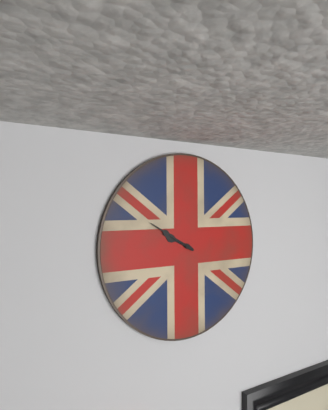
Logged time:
9:50
